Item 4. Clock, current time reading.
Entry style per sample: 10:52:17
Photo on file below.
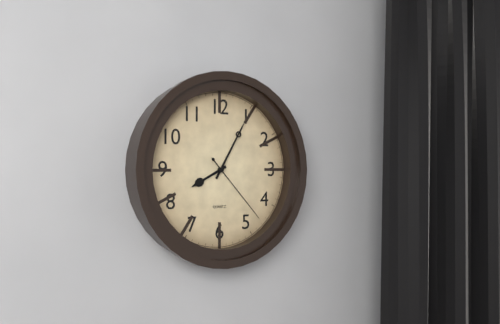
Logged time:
8:05:23
